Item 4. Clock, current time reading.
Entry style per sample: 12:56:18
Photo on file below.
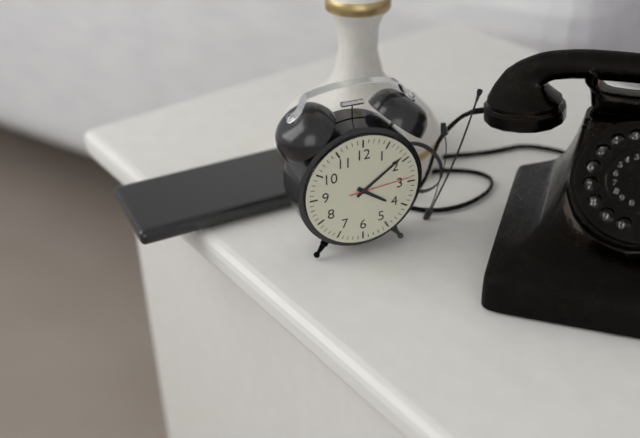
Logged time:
4:09:14
